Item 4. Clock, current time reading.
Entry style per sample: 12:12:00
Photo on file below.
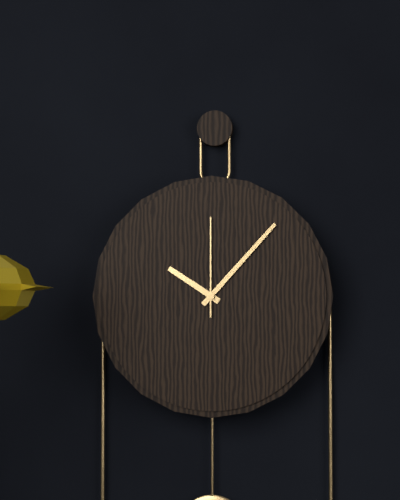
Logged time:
10:07:00
